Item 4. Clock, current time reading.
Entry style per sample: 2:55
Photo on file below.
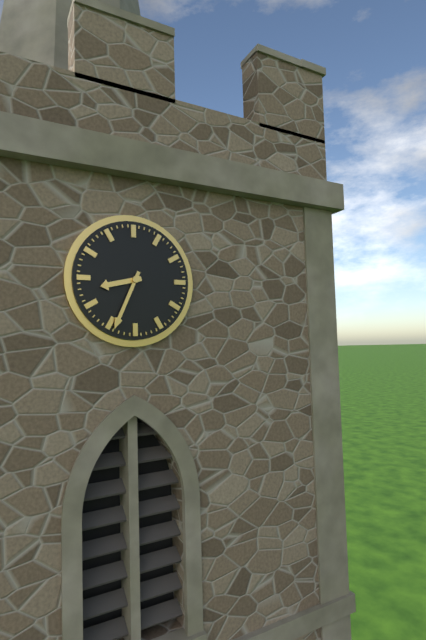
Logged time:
8:34
